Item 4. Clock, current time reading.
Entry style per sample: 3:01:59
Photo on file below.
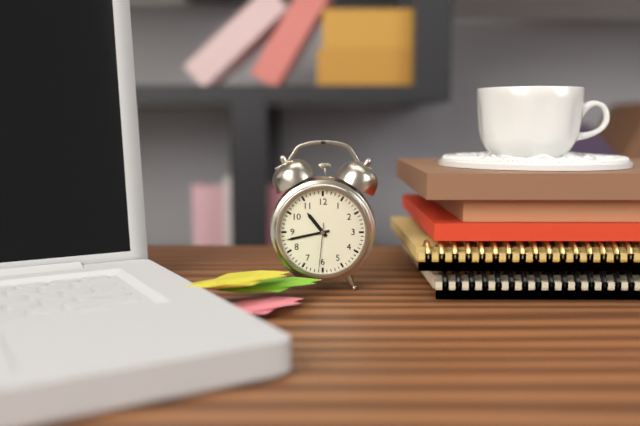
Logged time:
10:43:31
